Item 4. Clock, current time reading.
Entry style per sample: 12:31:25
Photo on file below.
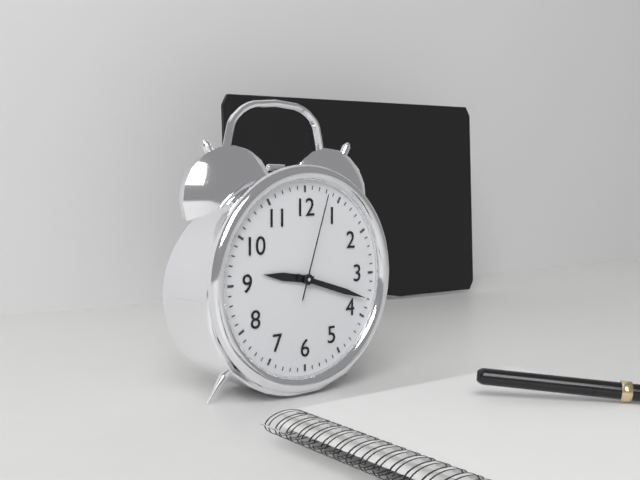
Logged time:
9:18:03
